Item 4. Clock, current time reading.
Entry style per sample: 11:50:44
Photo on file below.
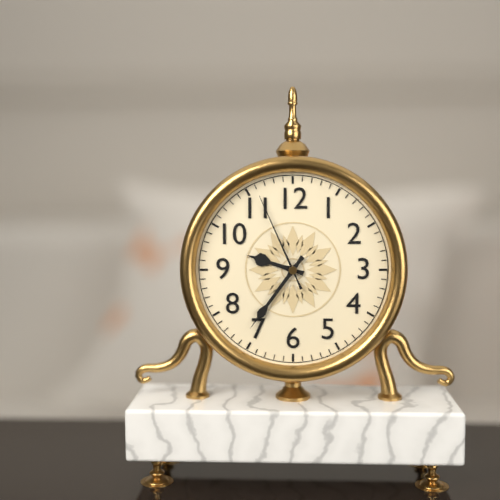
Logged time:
9:36:56
